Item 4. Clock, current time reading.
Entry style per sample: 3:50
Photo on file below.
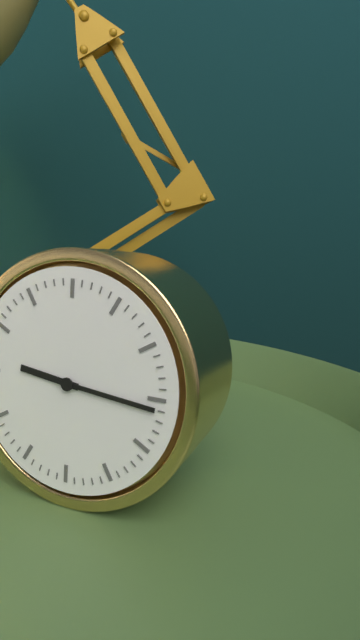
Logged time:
9:16
